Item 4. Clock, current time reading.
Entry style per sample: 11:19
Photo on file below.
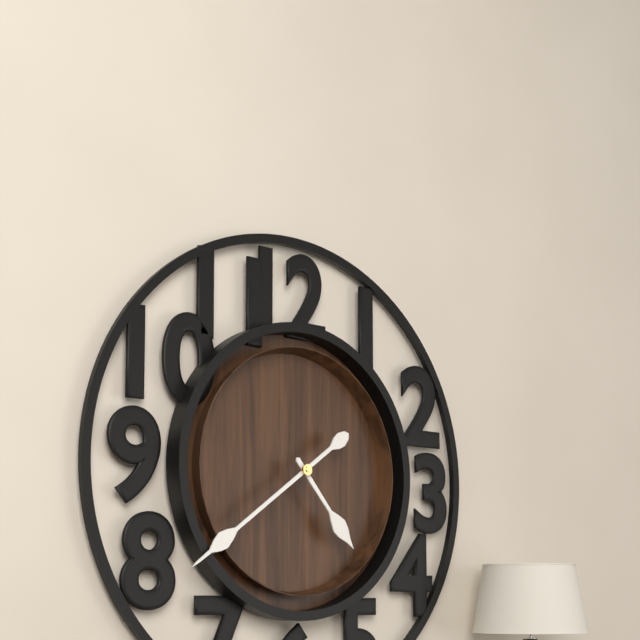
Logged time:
4:39
